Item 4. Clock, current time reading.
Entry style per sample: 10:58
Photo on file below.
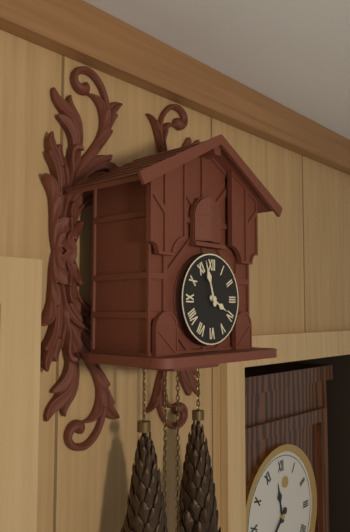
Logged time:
3:57
